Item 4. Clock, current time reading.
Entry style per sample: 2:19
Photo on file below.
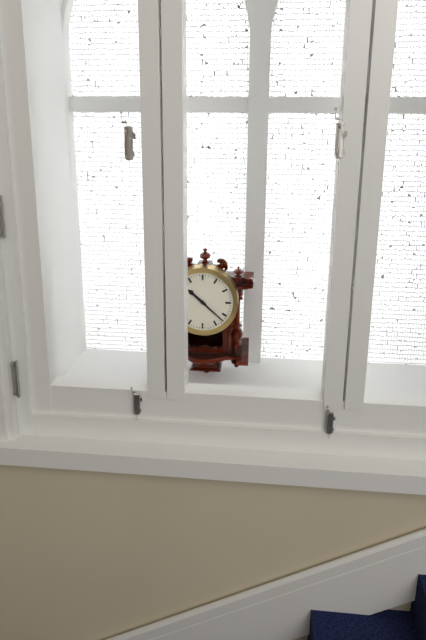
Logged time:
10:22
